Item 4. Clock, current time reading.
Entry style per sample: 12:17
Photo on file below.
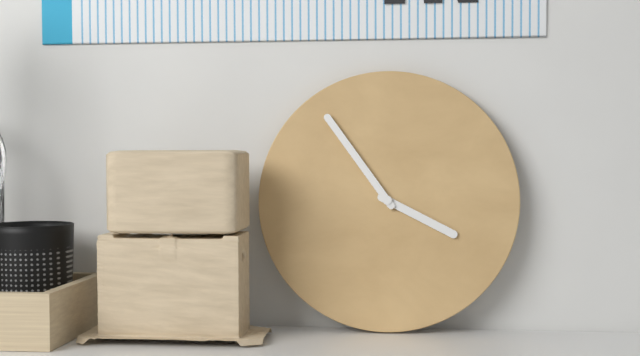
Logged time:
3:54
